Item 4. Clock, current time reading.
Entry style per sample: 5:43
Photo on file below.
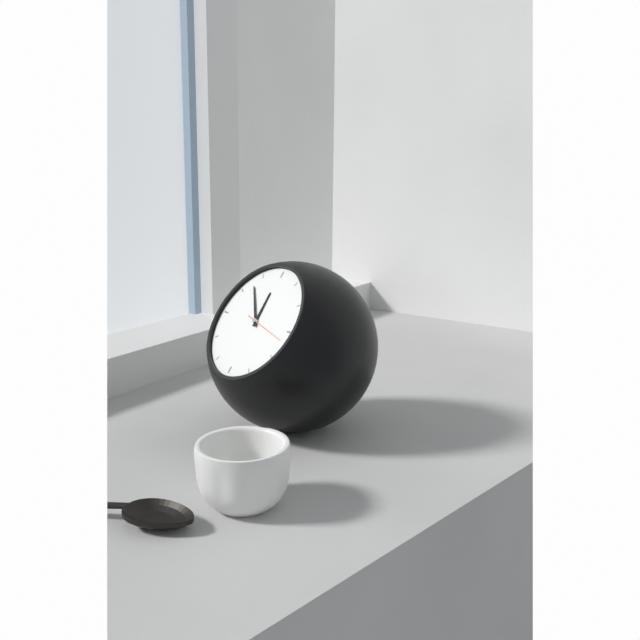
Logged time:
11:53
